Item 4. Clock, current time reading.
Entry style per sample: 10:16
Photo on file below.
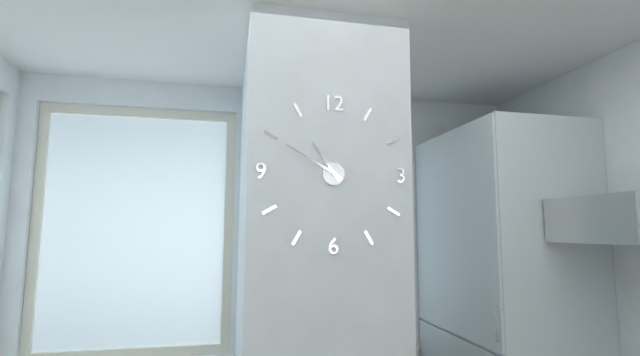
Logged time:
10:50
